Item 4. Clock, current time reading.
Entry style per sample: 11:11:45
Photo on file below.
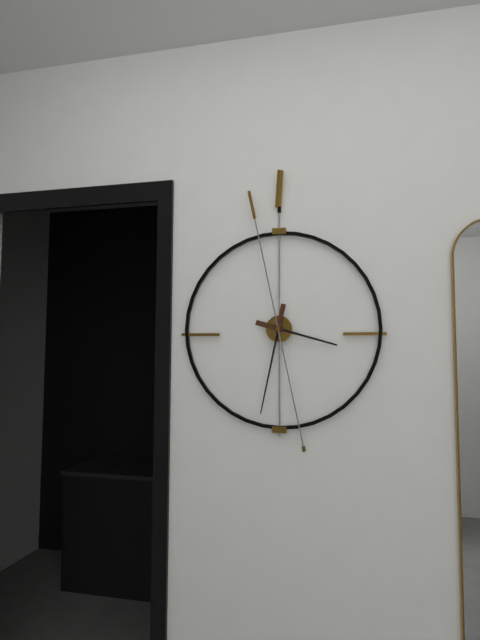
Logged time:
3:32:58
